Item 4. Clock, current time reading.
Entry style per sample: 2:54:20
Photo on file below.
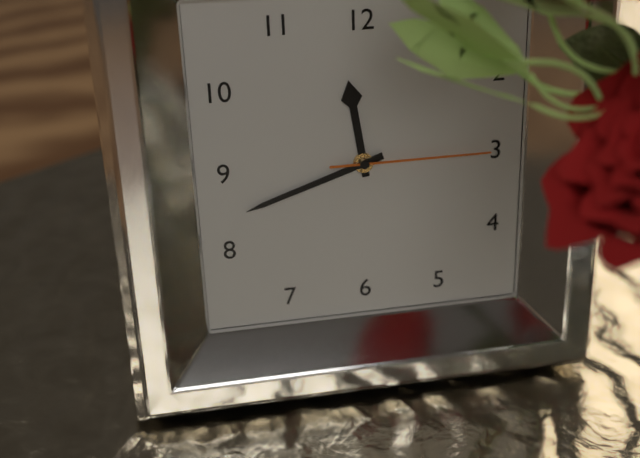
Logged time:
11:42:15
